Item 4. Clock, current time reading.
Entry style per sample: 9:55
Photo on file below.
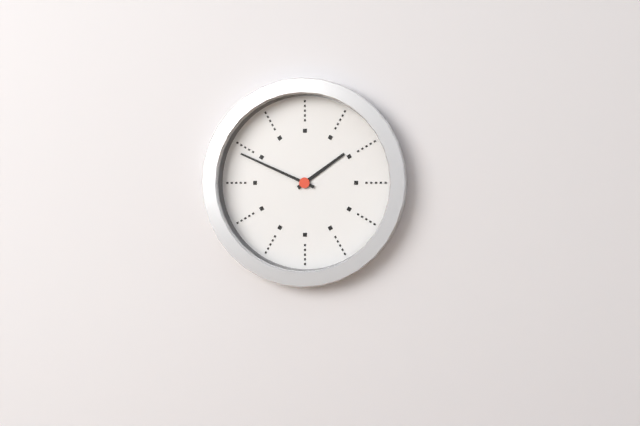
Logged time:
1:49
